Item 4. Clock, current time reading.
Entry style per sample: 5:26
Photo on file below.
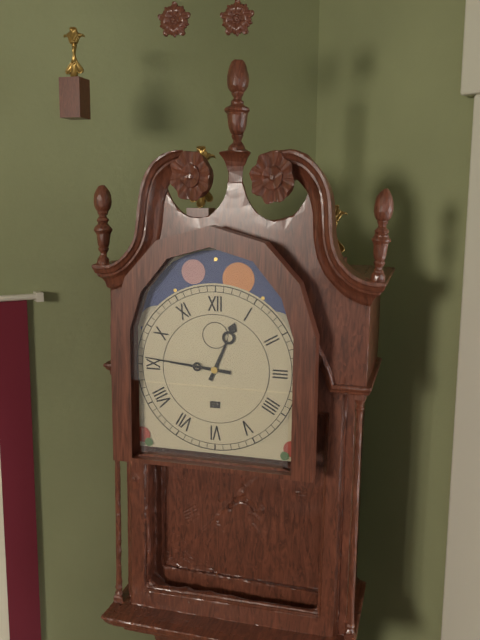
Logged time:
12:46
